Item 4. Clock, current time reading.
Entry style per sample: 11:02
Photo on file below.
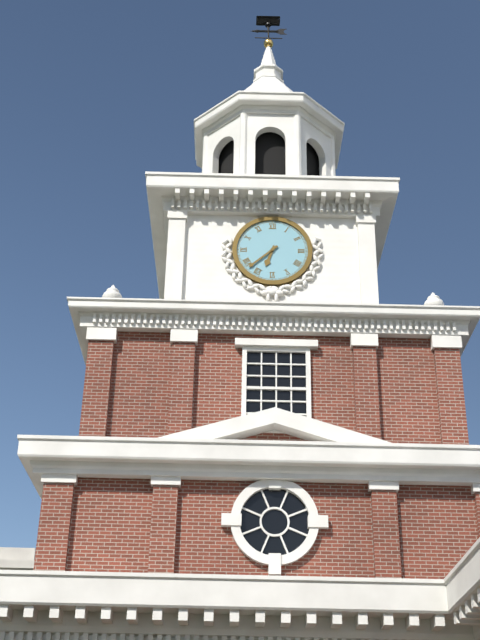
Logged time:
6:38
